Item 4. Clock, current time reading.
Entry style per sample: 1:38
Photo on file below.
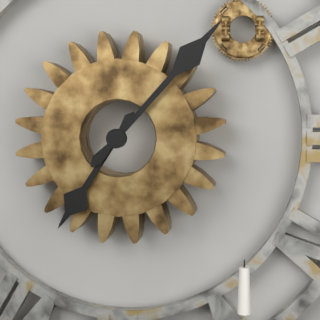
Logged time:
7:07
